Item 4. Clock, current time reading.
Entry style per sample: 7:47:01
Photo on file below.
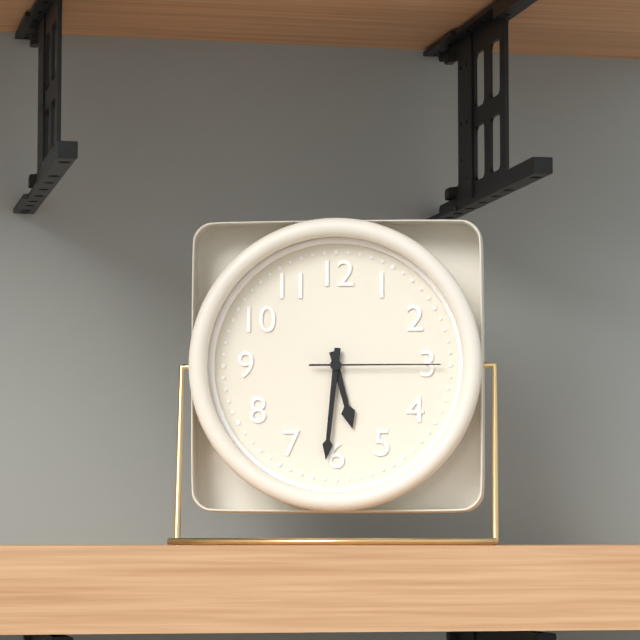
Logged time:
5:31:15
